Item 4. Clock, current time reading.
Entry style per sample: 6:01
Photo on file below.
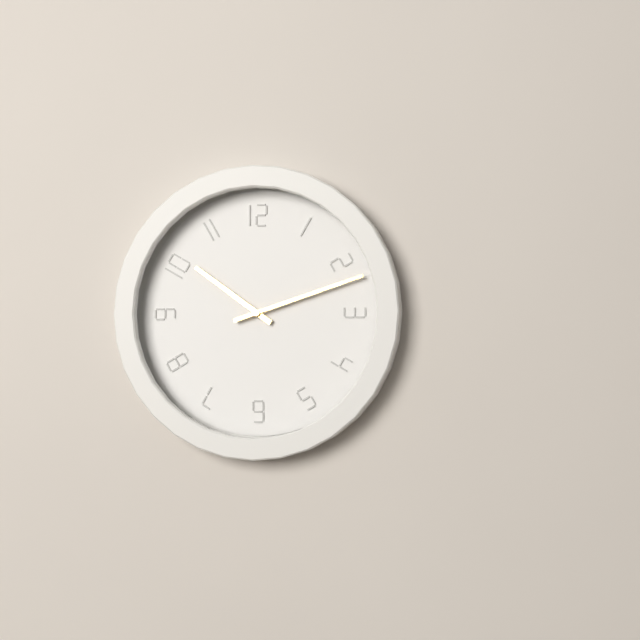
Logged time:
10:12
